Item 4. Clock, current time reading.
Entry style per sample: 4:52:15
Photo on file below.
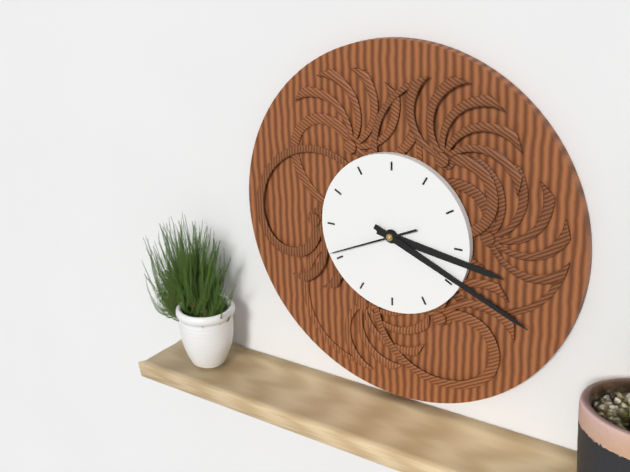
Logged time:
3:19:41
